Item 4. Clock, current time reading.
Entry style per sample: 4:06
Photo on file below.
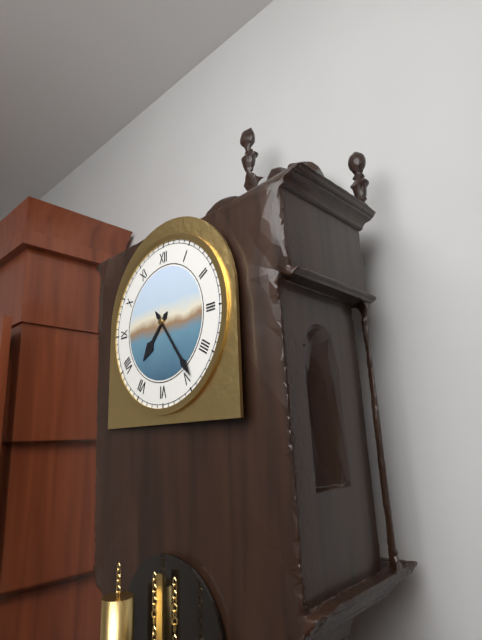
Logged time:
7:24
